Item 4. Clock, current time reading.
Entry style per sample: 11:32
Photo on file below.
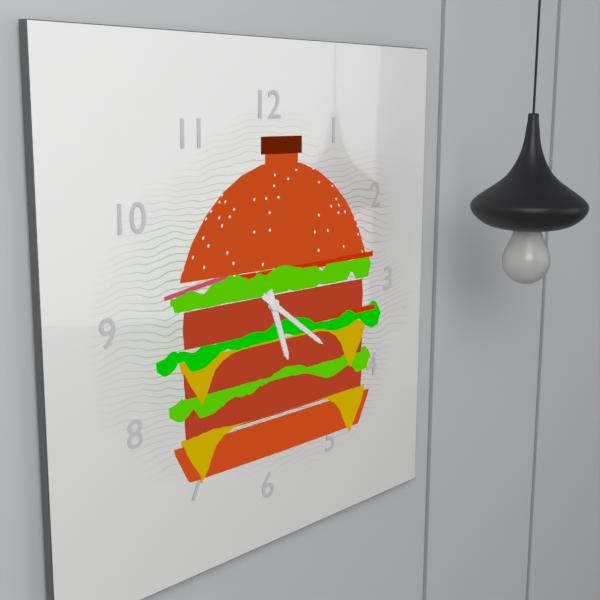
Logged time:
5:21
